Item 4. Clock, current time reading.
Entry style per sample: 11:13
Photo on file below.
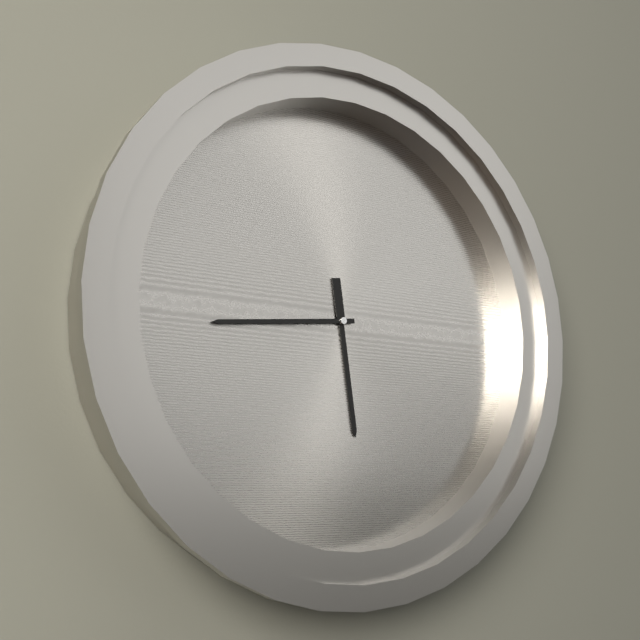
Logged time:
5:44
